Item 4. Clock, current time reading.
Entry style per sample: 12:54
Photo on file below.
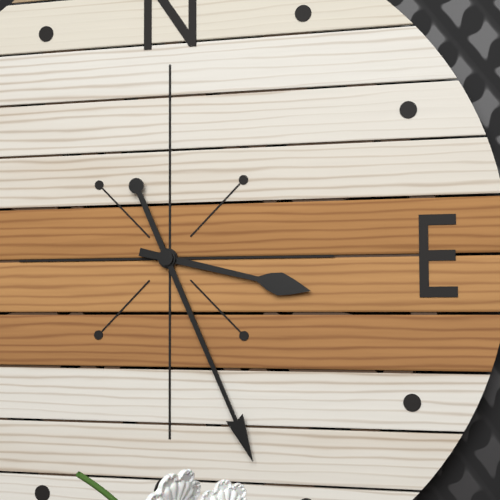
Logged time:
3:26
